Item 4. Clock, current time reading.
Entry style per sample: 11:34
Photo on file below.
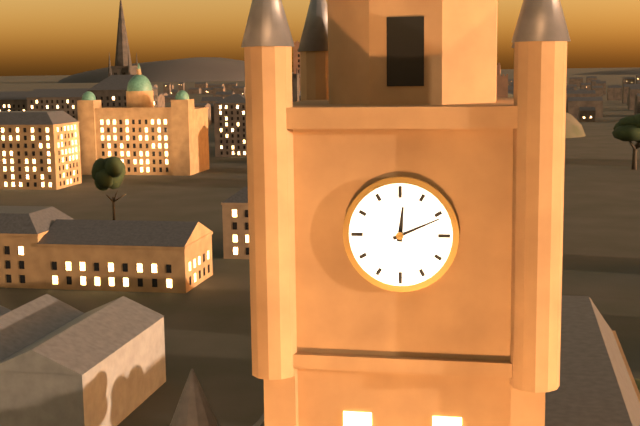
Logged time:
12:11
